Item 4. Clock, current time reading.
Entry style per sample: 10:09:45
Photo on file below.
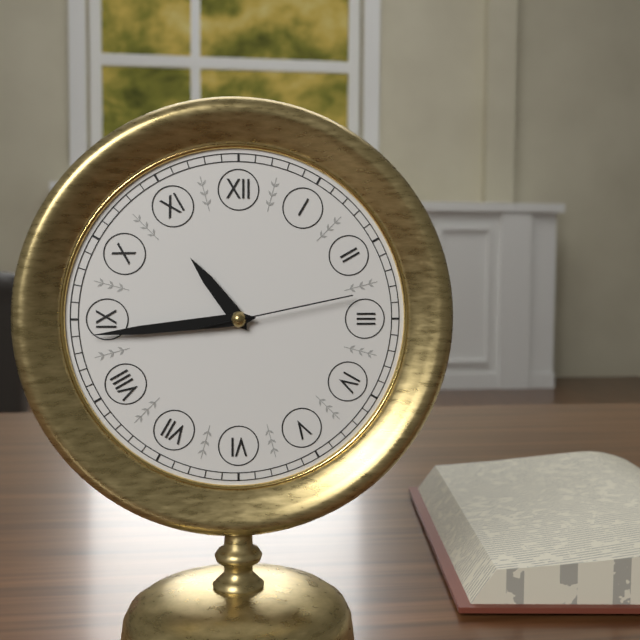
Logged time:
10:44:13
